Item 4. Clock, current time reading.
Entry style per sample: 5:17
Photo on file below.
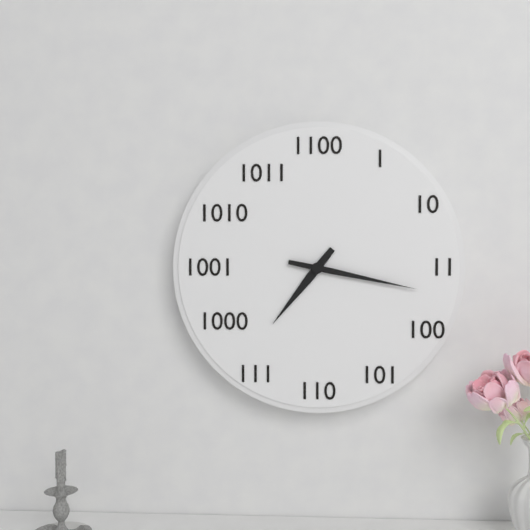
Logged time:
7:17
